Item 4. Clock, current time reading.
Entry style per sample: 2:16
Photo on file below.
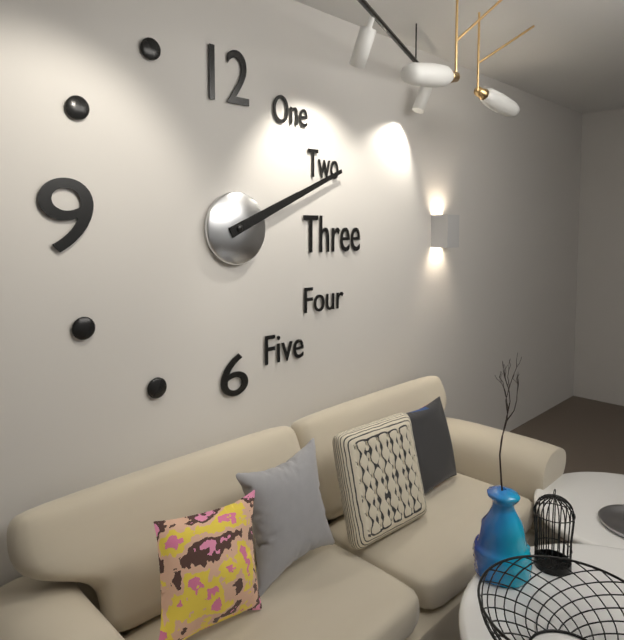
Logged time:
2:11
